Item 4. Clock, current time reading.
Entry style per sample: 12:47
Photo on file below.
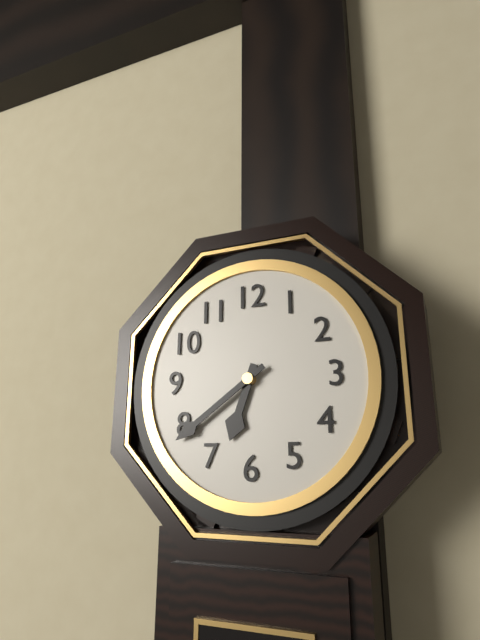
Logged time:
6:39
